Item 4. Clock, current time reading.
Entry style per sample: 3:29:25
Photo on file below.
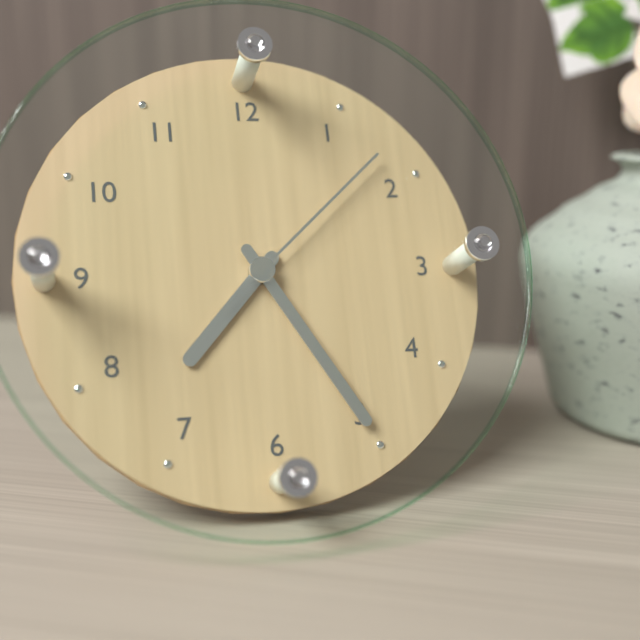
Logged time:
7:25:08
